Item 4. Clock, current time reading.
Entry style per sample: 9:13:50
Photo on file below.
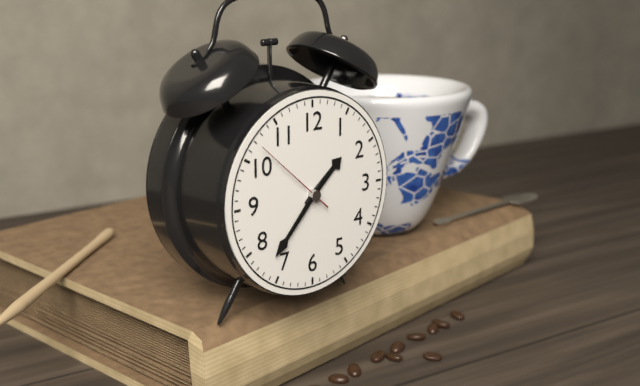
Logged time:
1:37:52
